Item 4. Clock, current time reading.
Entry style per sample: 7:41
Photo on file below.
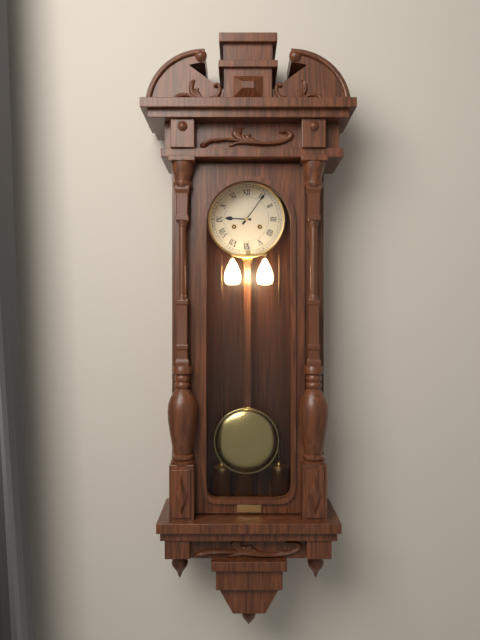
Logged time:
9:06
